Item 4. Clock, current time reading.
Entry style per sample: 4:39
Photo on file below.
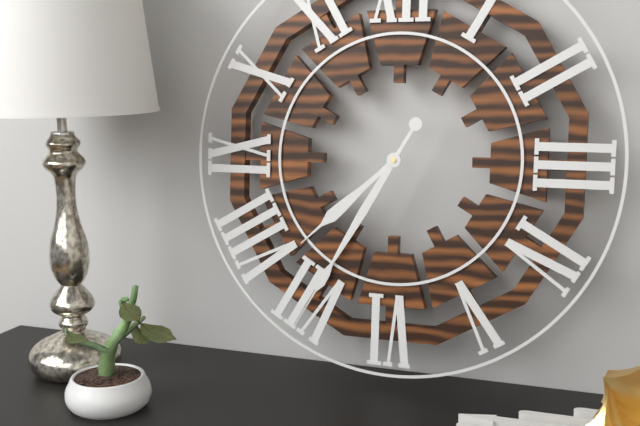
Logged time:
7:35
